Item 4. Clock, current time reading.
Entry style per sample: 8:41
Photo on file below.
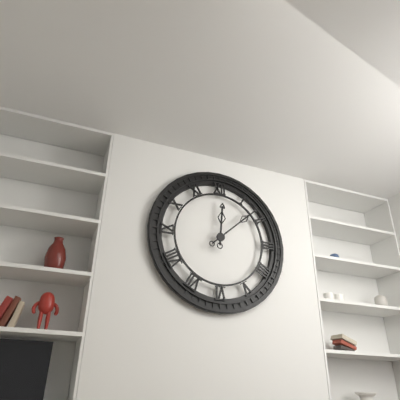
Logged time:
12:08
